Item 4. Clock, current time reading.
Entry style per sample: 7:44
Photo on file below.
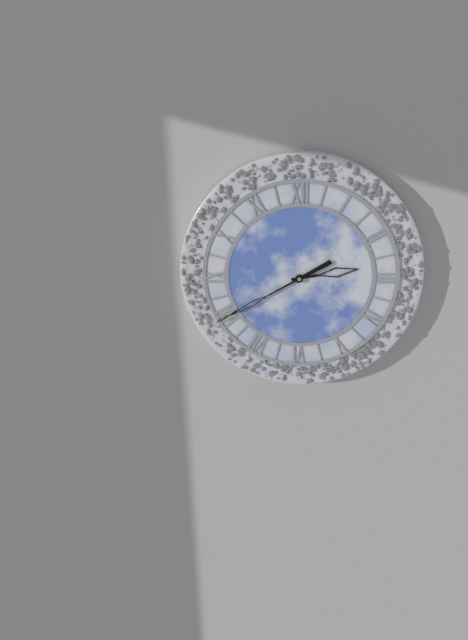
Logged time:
2:40
